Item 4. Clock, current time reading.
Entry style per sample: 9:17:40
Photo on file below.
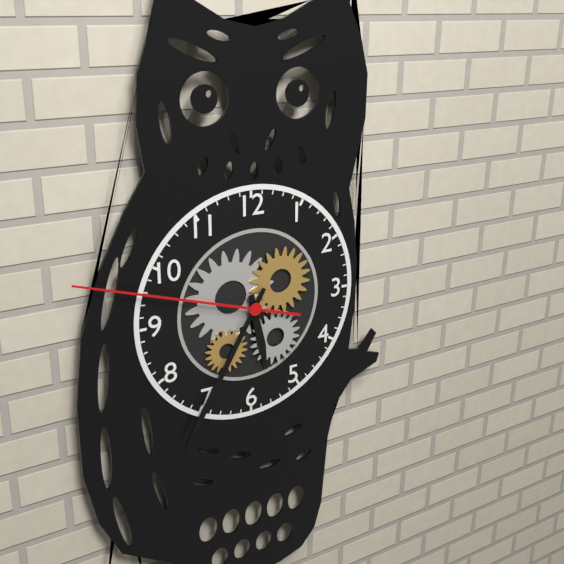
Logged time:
5:35:48
